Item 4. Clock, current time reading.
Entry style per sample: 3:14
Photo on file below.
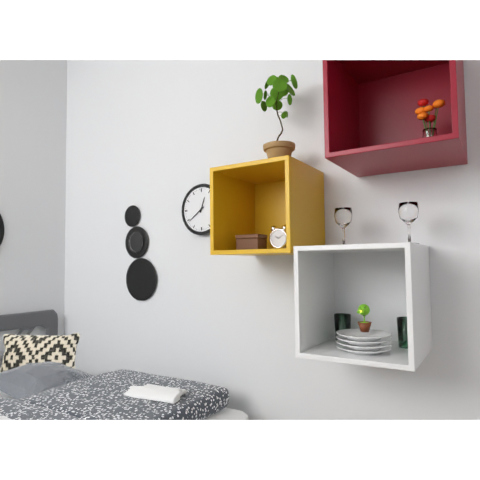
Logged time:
12:39
